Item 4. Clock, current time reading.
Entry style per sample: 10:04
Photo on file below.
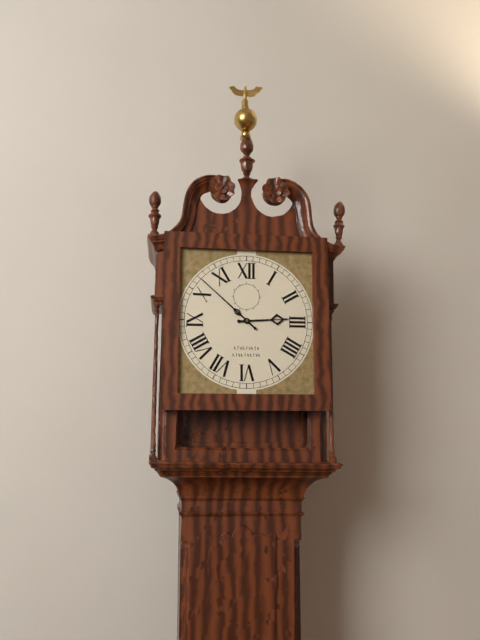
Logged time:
2:52
